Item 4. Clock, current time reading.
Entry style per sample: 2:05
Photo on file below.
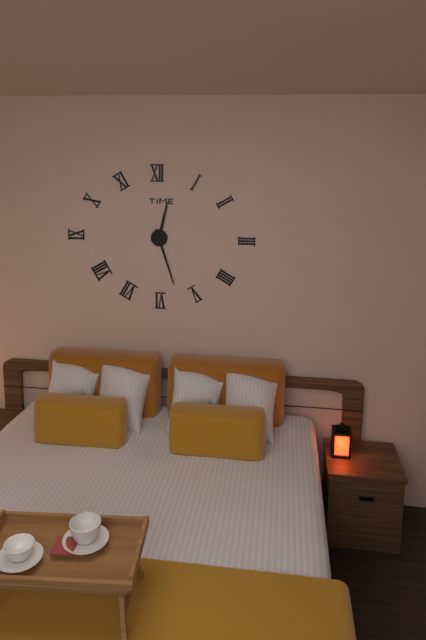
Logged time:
12:27
